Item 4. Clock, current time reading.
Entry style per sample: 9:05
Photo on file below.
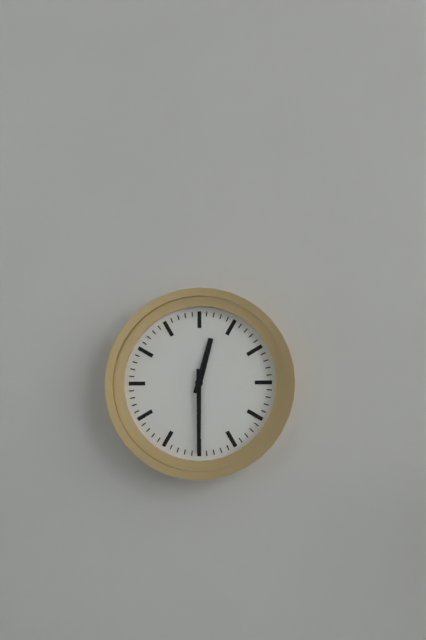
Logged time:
12:30
